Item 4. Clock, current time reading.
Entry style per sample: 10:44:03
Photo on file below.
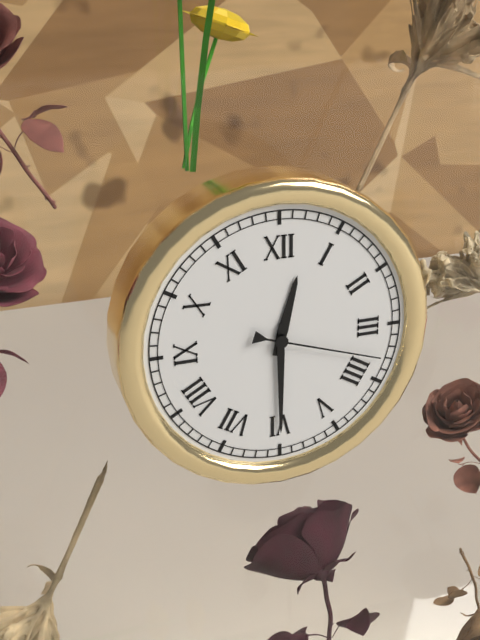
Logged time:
12:30:18
